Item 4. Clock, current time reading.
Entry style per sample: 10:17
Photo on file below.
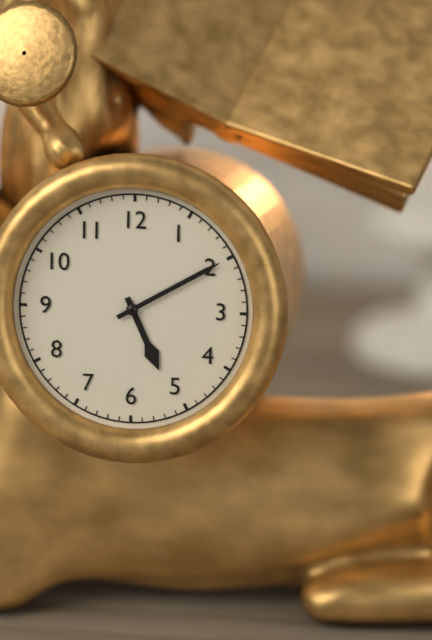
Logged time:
5:10
